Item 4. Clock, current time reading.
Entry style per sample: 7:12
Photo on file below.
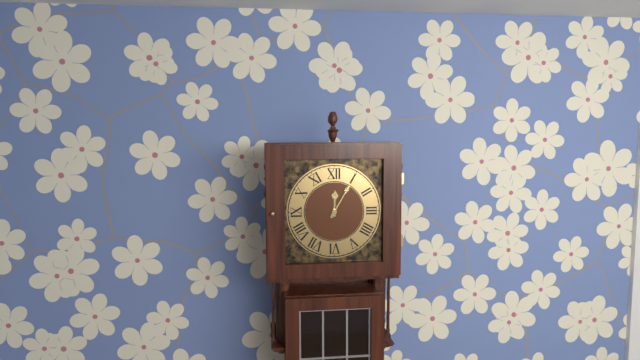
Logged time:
12:05
